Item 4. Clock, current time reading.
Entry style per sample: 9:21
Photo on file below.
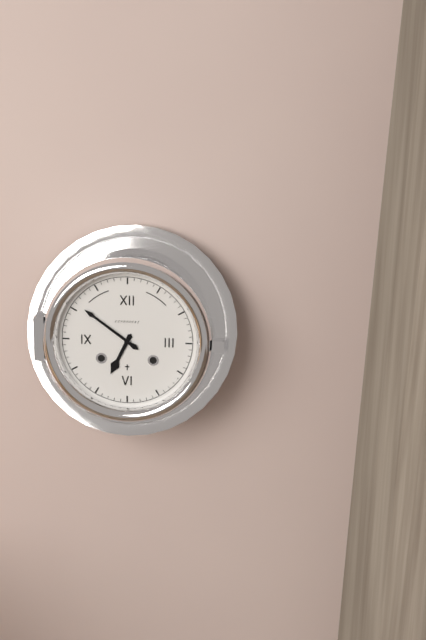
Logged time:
6:51
